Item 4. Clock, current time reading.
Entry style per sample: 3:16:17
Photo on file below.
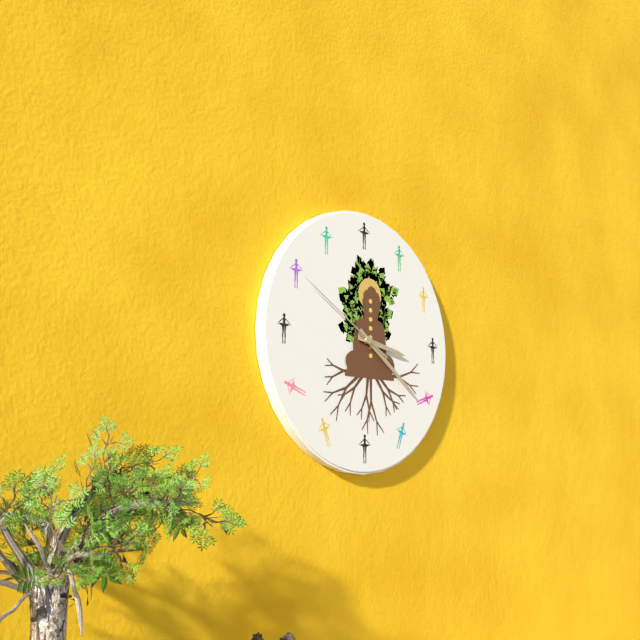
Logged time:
3:21:50
